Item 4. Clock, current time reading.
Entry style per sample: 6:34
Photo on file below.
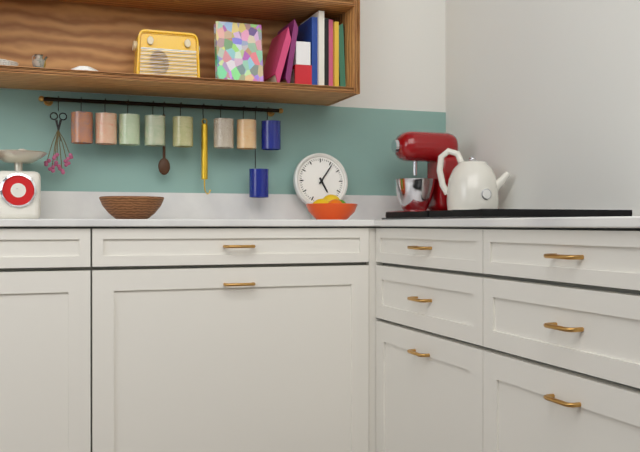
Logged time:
5:06
